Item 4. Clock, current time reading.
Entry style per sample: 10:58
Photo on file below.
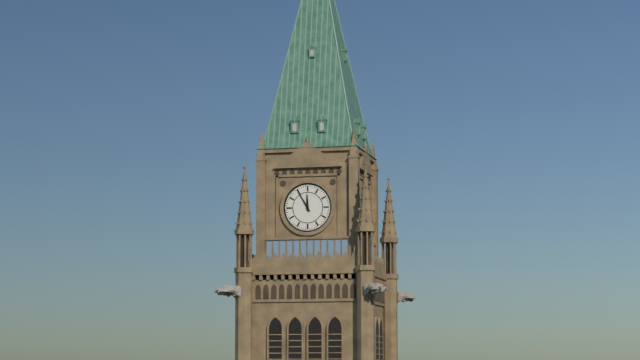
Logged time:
11:55
